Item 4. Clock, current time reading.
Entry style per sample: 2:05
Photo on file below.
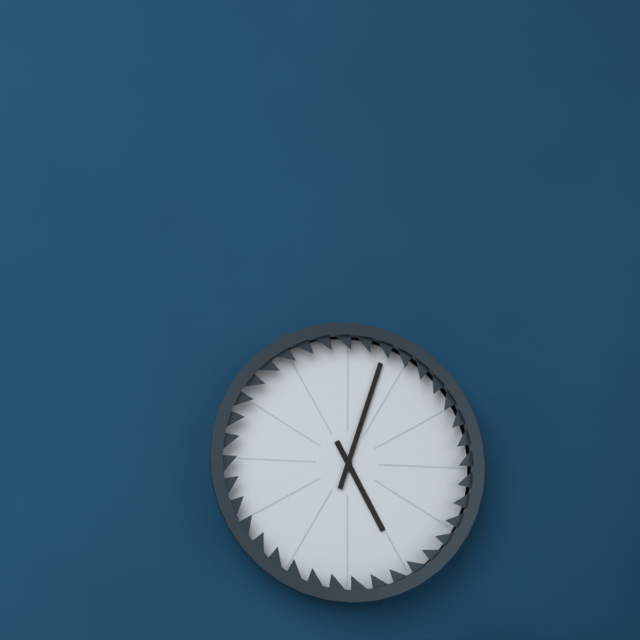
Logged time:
5:03
